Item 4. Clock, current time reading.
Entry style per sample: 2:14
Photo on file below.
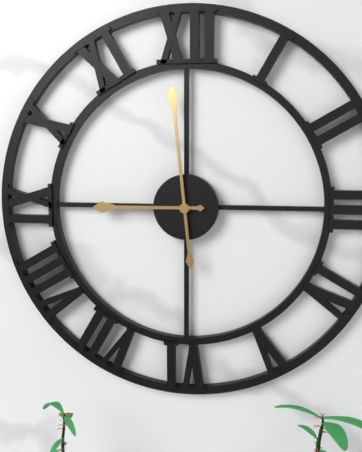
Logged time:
8:59
